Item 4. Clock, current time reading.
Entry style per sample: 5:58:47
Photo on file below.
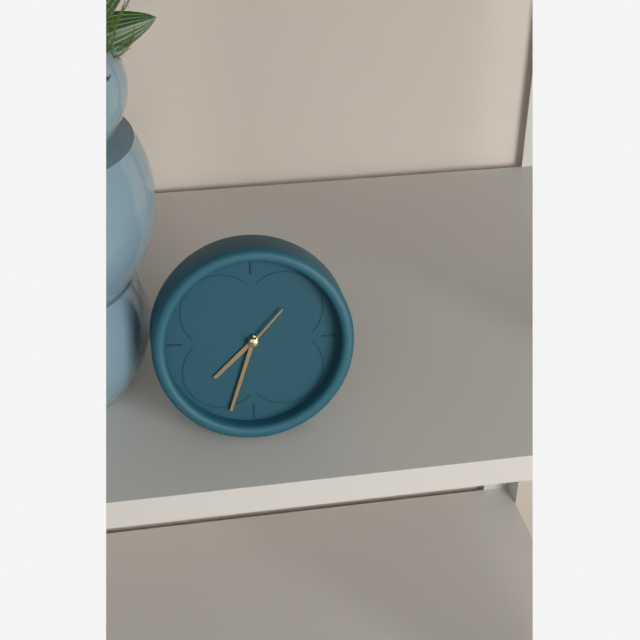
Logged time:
7:33:07
